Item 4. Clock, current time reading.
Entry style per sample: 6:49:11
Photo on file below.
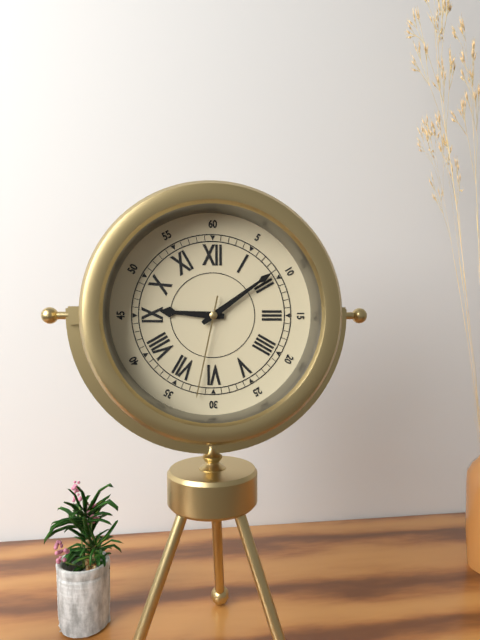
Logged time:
9:09:32
